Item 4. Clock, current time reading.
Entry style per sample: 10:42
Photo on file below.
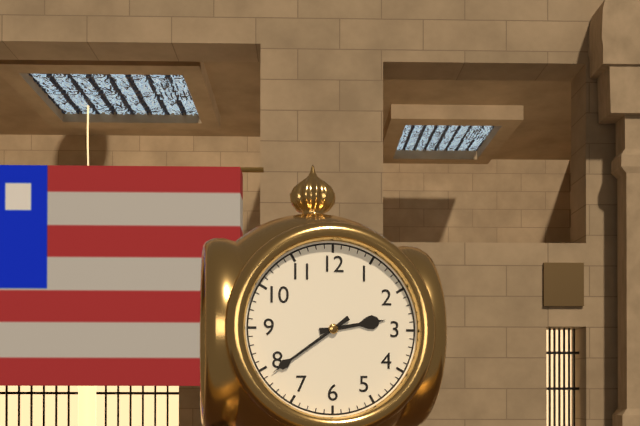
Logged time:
2:39
